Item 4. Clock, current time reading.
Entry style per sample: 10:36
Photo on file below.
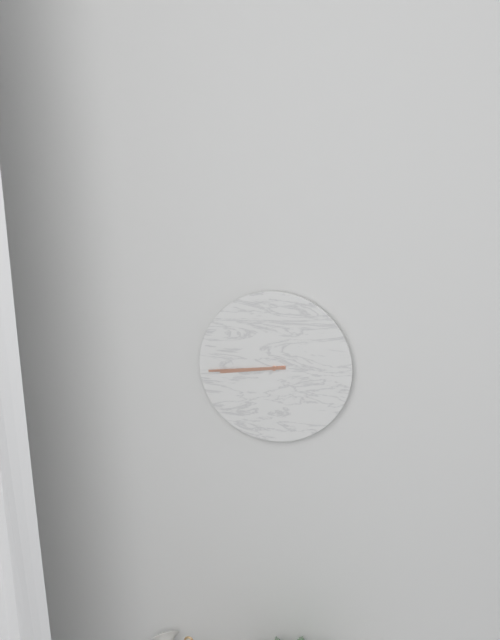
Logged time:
8:44
